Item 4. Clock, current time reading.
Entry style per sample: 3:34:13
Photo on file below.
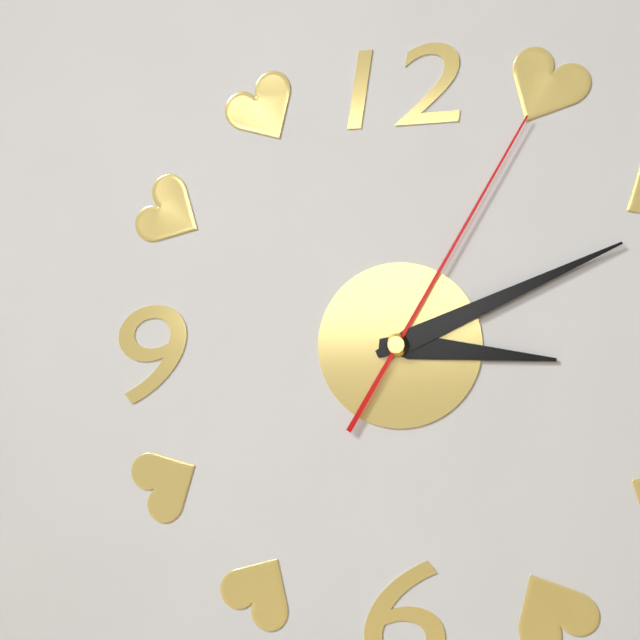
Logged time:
3:11:05
